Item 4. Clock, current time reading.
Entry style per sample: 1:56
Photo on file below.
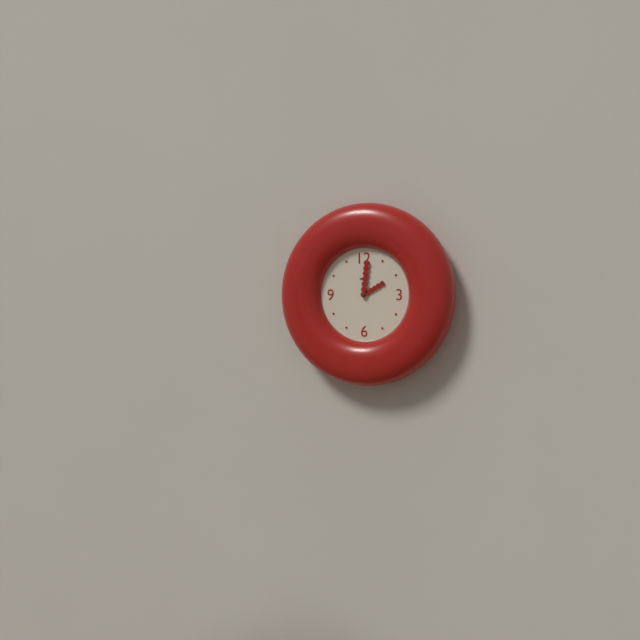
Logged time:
2:01
